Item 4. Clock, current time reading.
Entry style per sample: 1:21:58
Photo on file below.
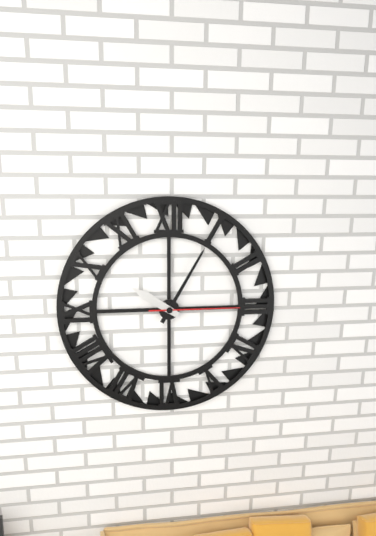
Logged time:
10:05:15
